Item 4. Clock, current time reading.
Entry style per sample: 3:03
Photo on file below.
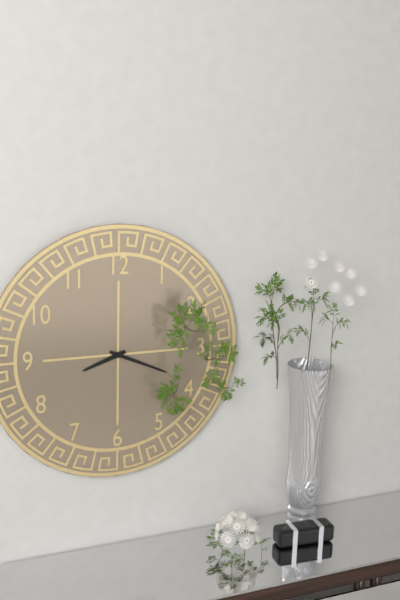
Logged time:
8:19
